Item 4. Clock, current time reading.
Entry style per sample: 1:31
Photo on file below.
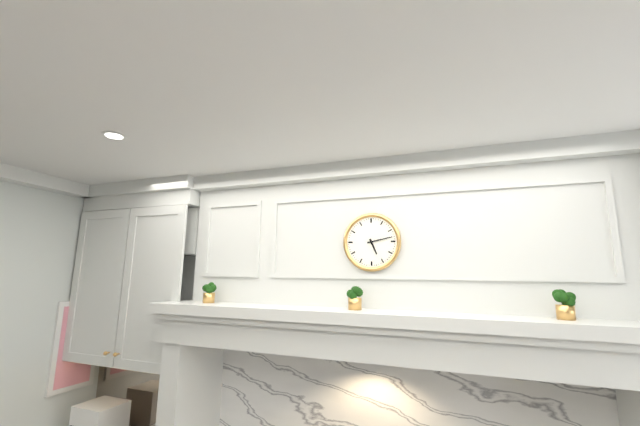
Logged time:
5:13
